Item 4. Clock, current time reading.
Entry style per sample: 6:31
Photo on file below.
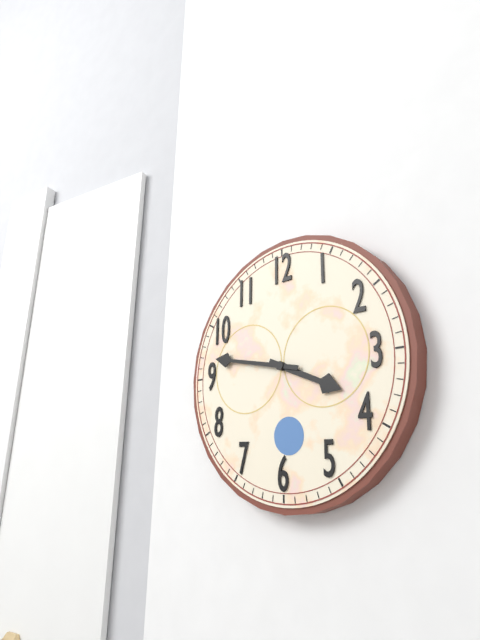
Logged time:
3:47
